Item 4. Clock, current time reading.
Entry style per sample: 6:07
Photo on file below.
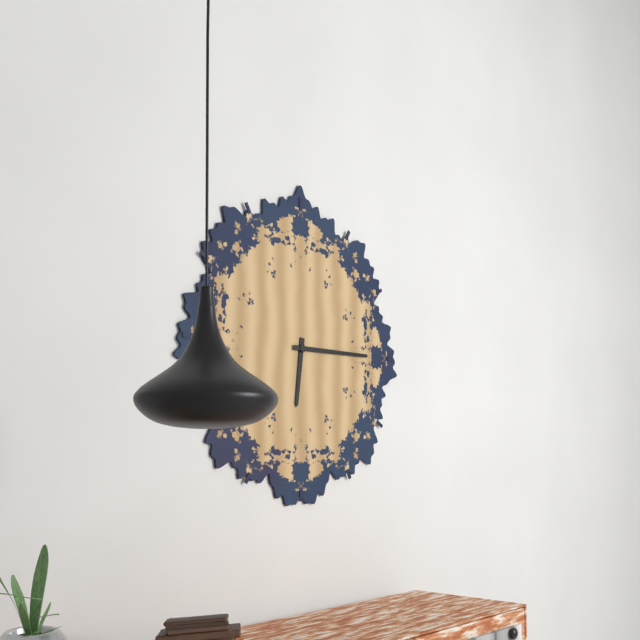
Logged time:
6:15
